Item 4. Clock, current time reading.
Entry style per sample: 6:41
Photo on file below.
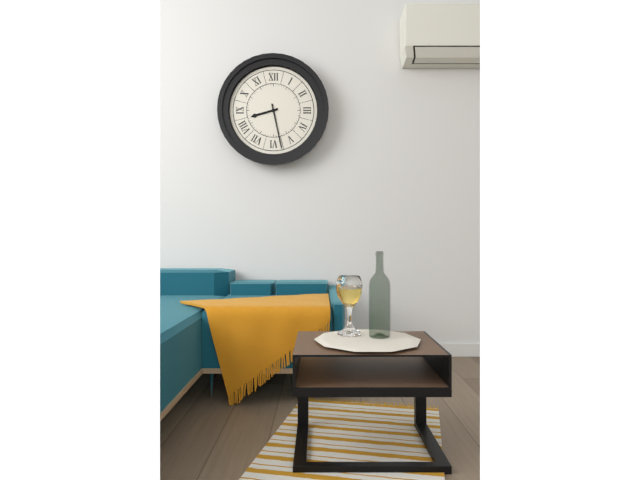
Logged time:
8:28
